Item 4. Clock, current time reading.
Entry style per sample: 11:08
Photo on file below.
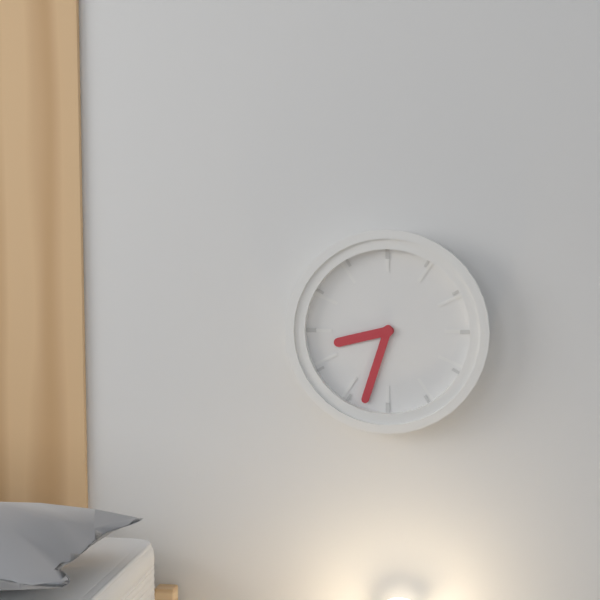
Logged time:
8:33
